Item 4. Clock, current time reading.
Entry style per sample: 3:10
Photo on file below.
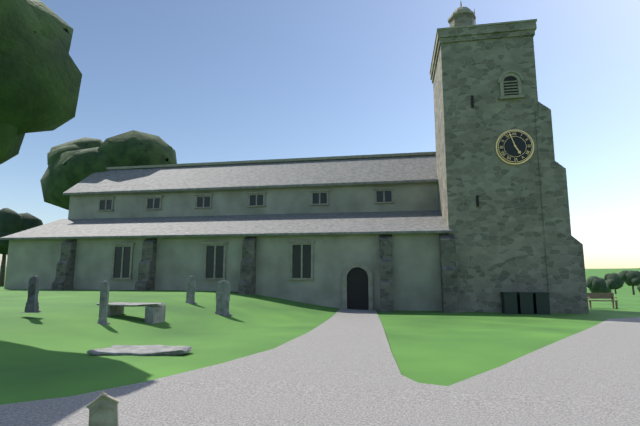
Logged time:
4:57
